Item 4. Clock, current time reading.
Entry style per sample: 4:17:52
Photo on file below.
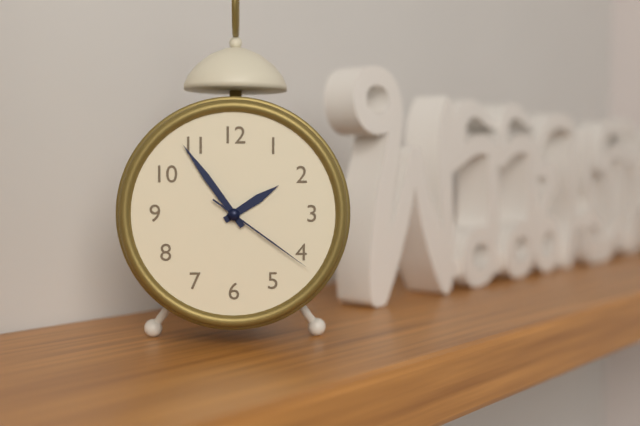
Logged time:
1:54:21
